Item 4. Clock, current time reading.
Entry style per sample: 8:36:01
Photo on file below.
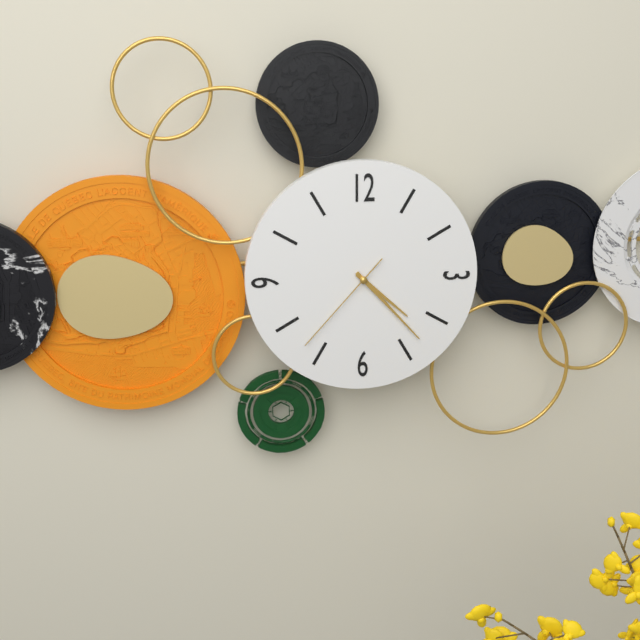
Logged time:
4:23:37
